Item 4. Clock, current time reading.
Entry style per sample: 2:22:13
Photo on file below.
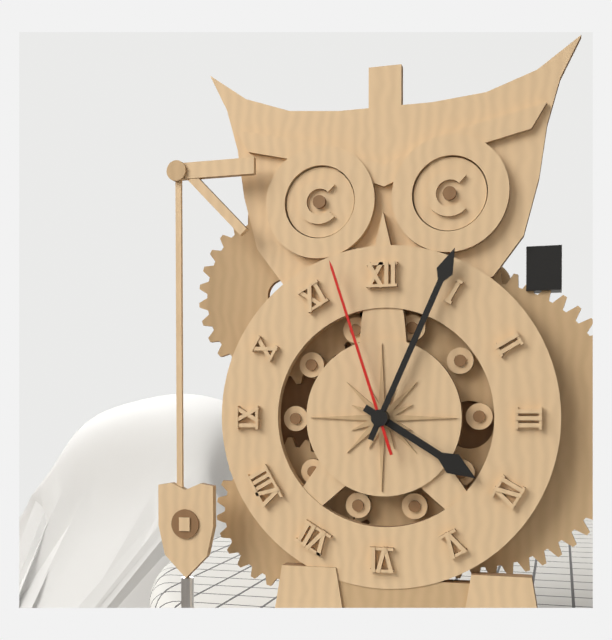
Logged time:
4:04:57
